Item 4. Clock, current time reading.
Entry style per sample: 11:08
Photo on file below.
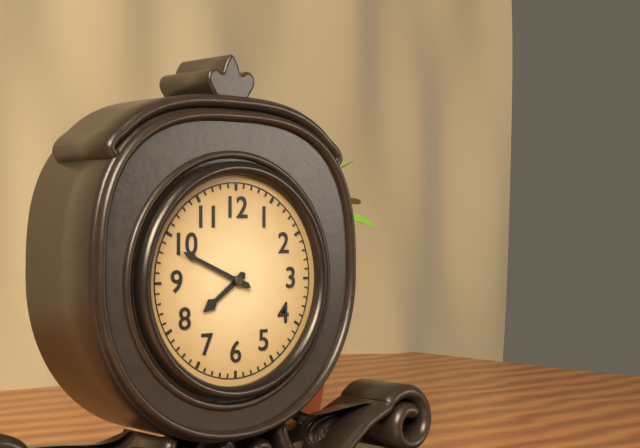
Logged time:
7:49
